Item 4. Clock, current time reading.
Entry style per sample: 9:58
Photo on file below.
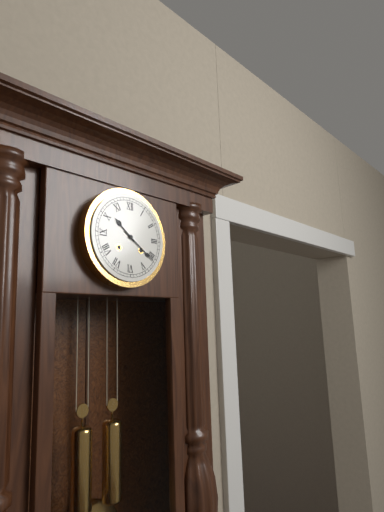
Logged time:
10:21
